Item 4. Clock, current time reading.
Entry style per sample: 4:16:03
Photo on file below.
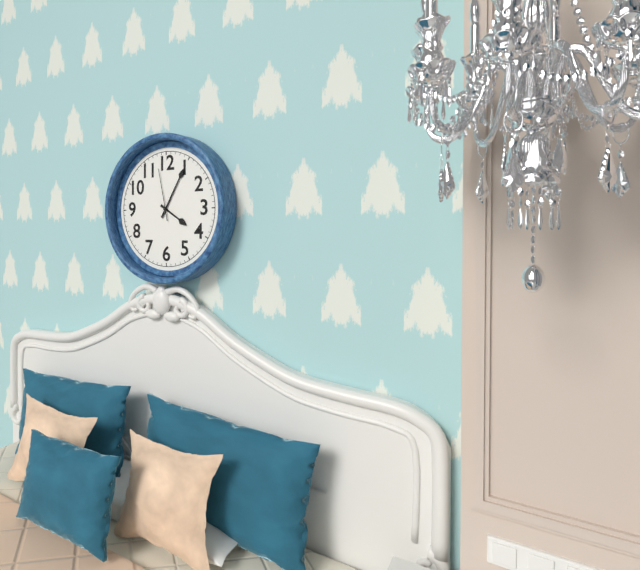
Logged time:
4:05:58
